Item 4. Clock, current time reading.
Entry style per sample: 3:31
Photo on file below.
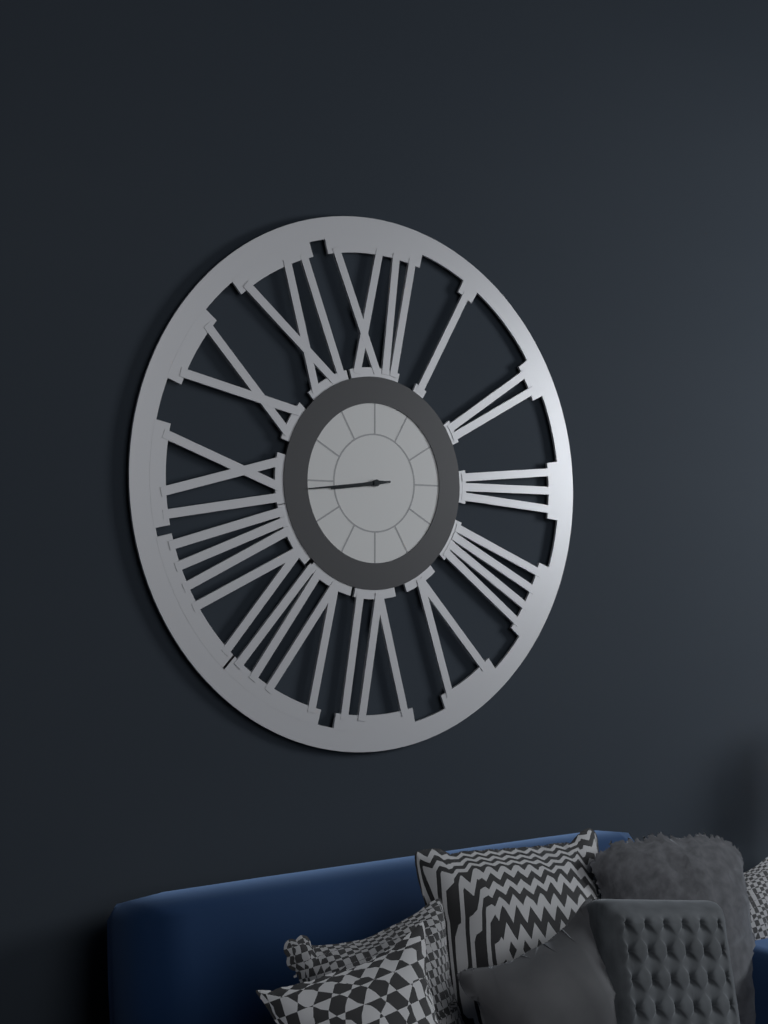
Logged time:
8:44
